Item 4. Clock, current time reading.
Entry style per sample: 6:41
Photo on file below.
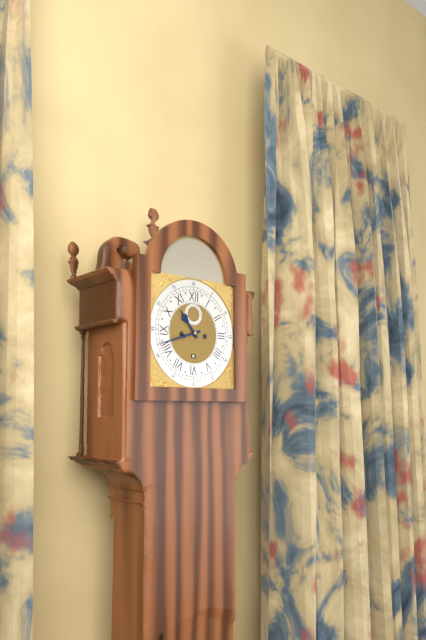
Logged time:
10:42
